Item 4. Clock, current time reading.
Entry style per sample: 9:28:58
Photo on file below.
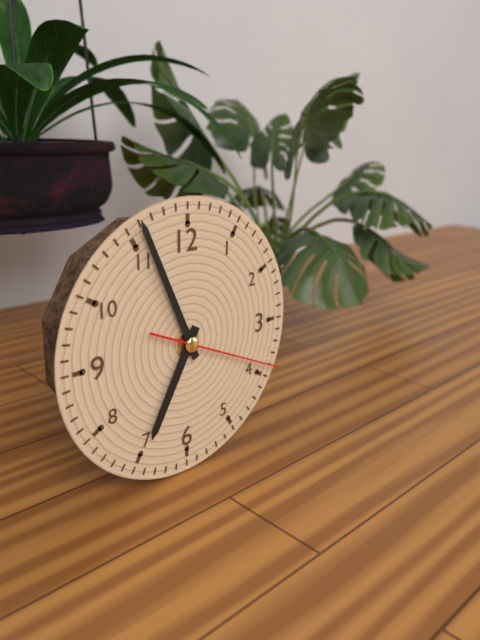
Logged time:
6:56:19
